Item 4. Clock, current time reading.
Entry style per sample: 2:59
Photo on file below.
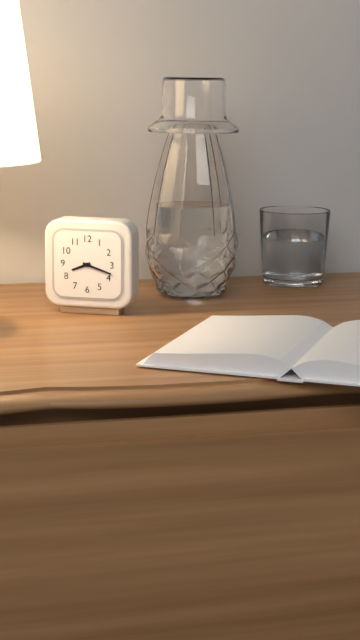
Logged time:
8:18
